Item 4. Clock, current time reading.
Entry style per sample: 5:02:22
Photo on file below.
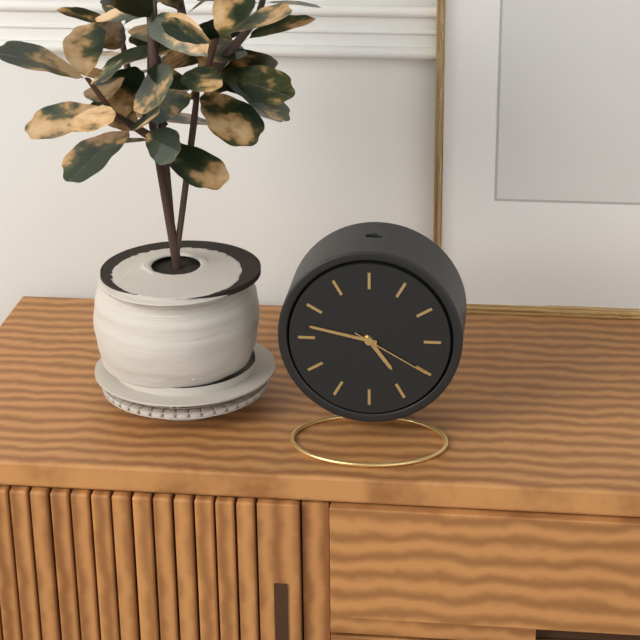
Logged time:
4:47:20
